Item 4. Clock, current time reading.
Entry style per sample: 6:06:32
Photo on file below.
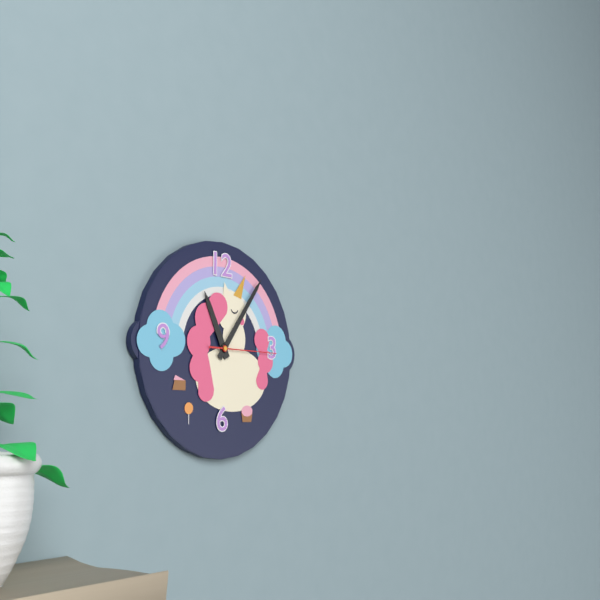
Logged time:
11:06:15
